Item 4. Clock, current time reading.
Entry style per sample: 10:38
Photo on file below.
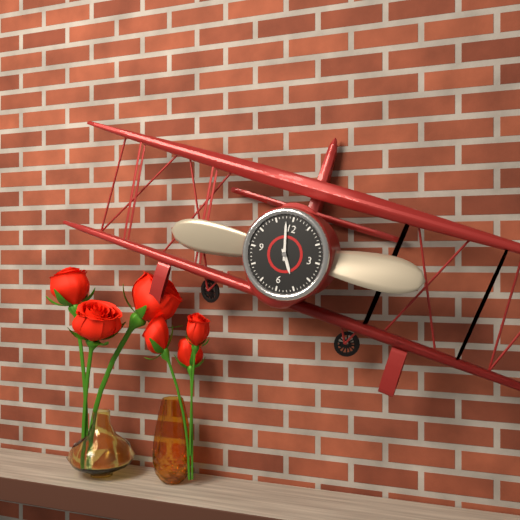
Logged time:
4:58
